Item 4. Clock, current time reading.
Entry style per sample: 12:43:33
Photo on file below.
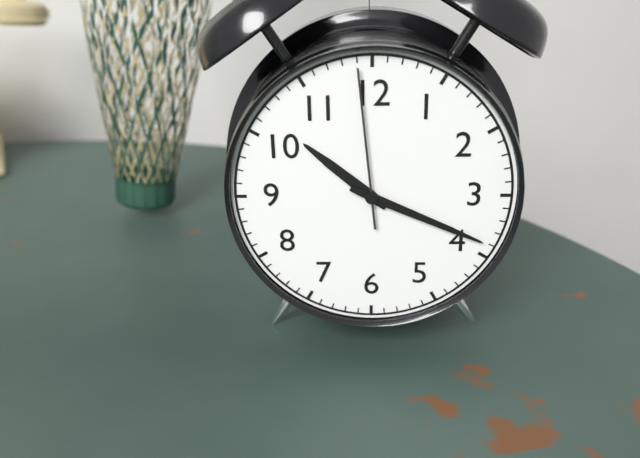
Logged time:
10:19:59
